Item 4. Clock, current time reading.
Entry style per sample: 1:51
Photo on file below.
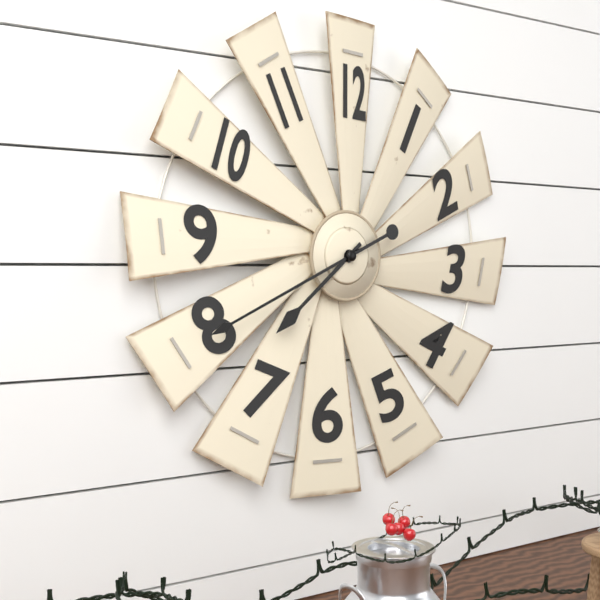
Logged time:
7:41
